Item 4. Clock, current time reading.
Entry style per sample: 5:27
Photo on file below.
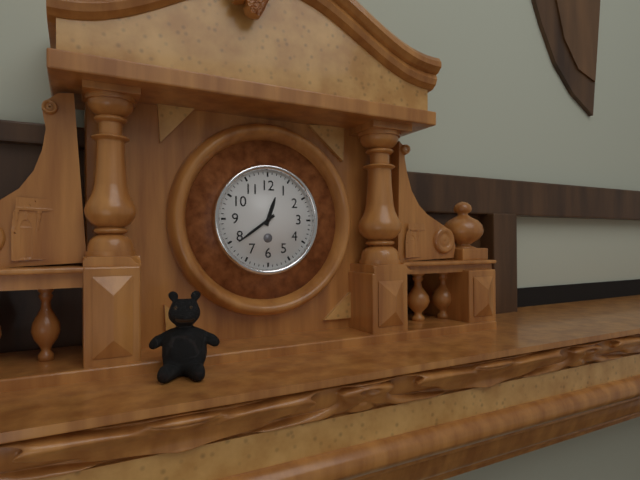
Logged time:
12:39
